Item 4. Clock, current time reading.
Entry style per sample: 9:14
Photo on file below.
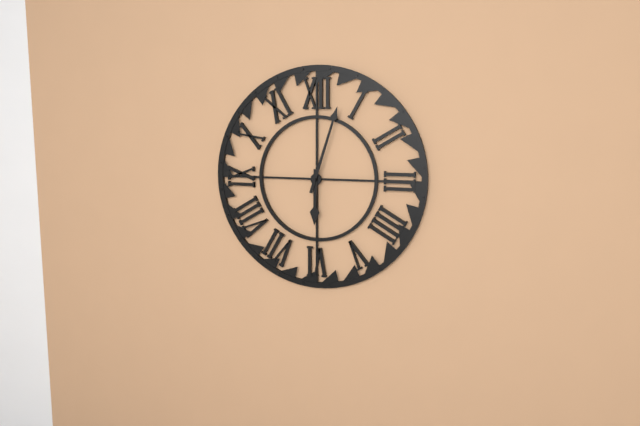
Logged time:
6:03
